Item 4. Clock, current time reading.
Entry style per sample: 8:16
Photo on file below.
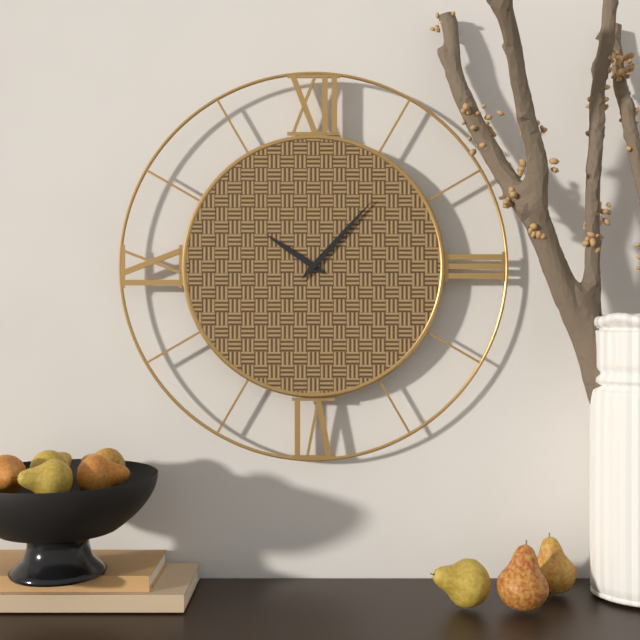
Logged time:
10:07
